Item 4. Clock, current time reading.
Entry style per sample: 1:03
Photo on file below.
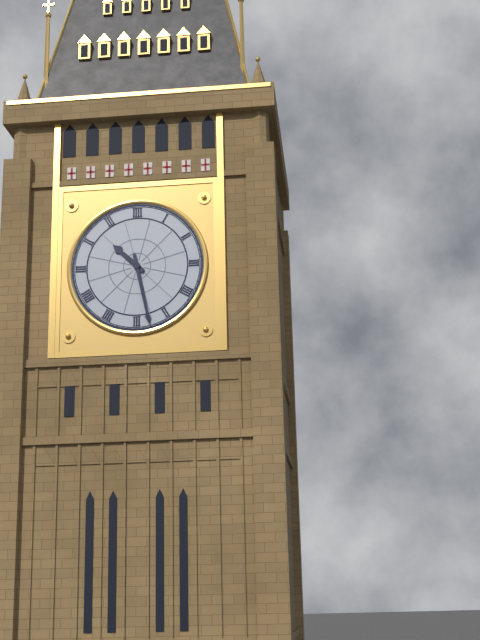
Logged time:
10:28
